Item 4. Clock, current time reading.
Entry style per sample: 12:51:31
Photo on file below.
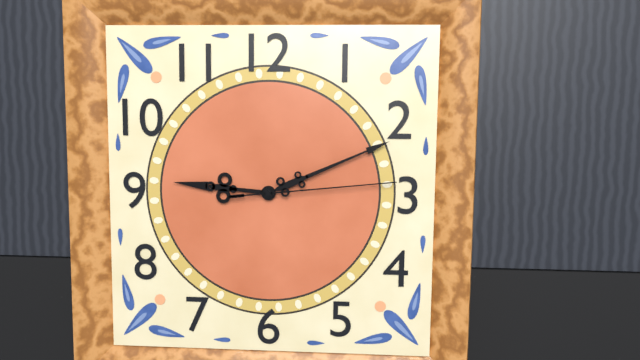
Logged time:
9:11:14
